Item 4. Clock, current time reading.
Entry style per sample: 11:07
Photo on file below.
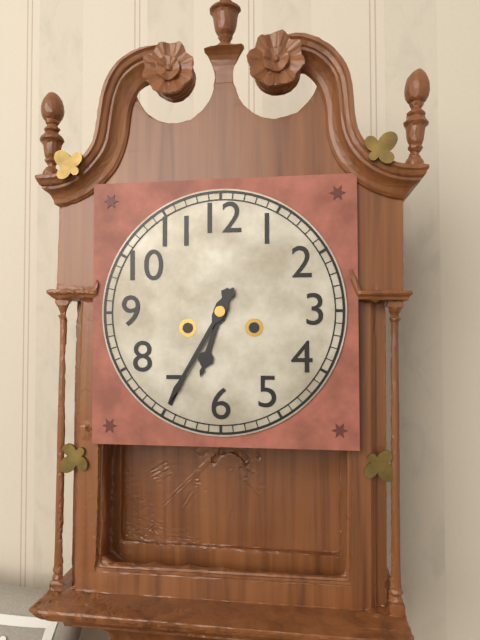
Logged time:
6:35
